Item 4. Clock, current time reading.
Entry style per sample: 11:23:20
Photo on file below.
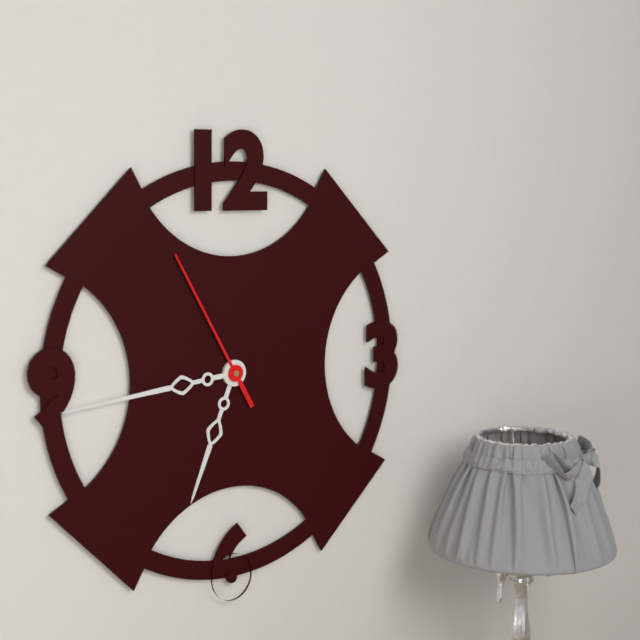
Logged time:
6:44:55
